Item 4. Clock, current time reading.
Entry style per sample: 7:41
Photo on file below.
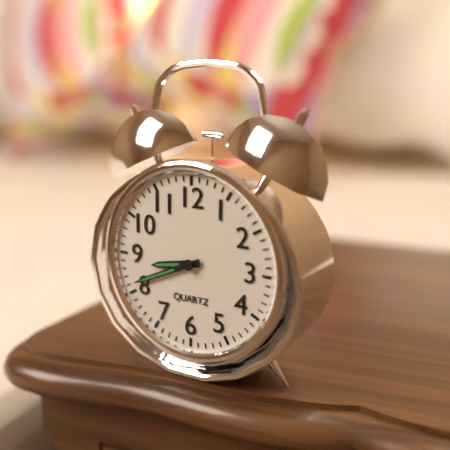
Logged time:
8:41
